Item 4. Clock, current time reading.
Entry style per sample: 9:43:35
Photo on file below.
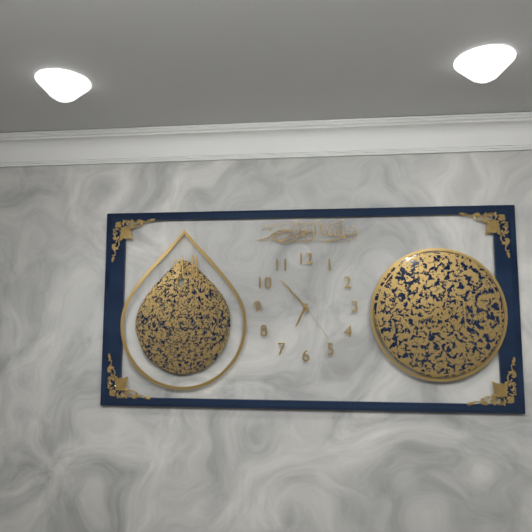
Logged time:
6:53:24
